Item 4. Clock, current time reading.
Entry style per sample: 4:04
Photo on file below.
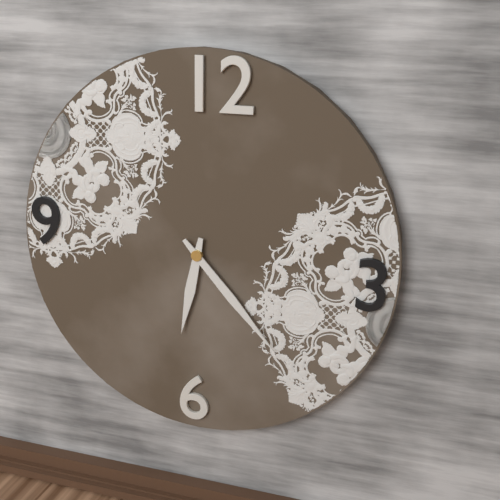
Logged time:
6:23
